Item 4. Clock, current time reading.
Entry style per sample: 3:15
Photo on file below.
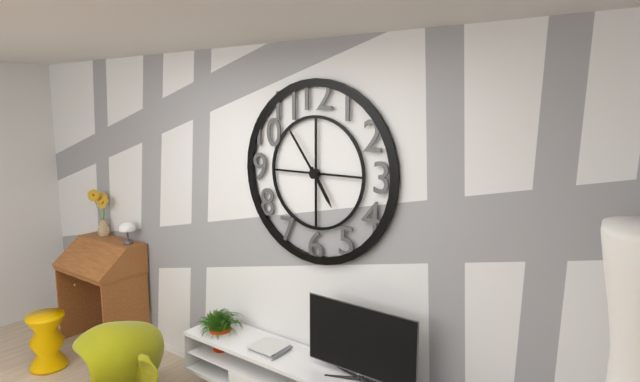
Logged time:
4:54
